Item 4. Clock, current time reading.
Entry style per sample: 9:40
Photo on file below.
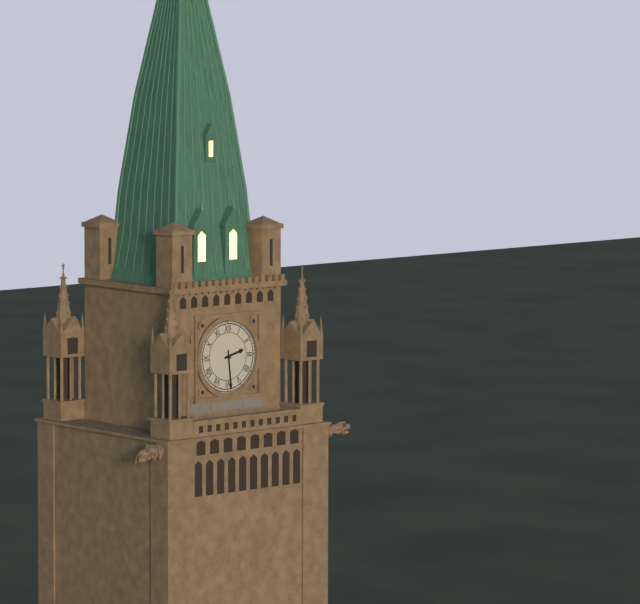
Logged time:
2:29
